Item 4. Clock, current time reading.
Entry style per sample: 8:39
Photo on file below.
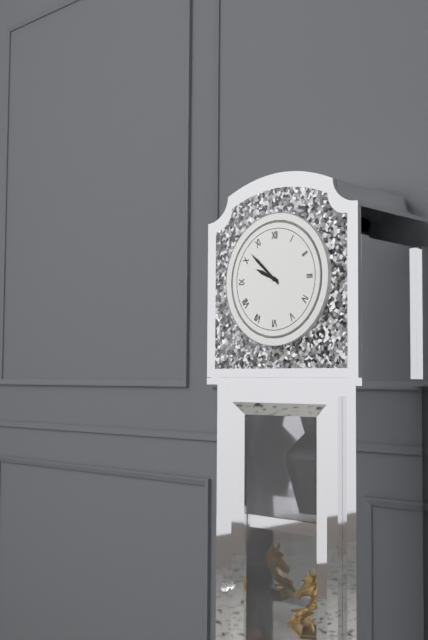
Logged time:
9:52
